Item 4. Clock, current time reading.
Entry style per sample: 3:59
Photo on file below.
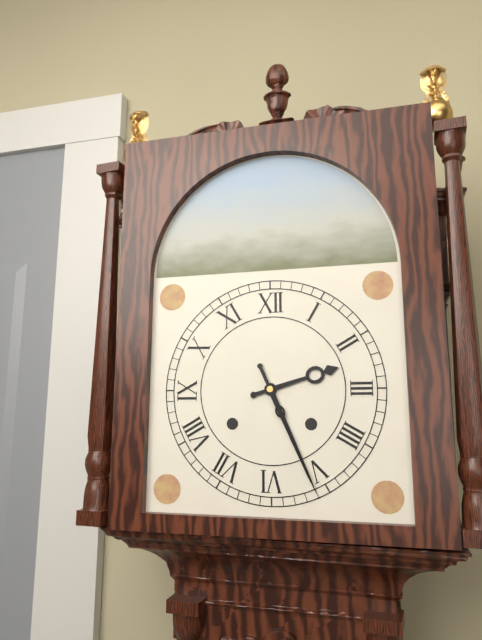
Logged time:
2:26
